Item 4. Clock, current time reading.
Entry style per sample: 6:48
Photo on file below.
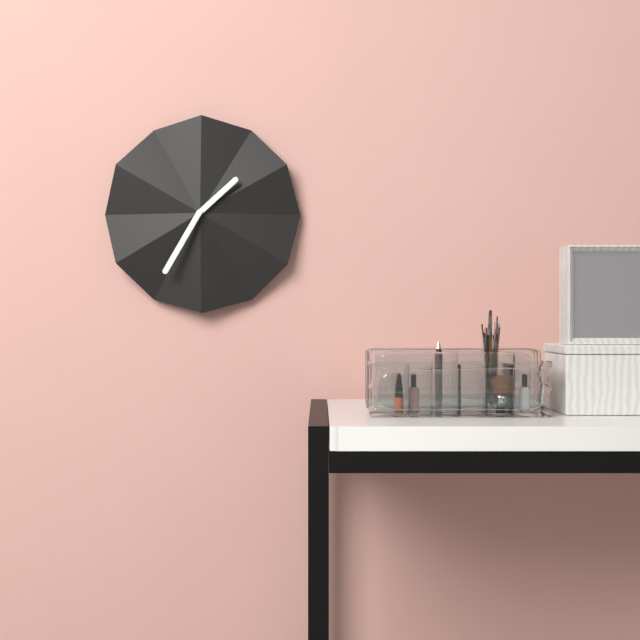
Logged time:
1:35
